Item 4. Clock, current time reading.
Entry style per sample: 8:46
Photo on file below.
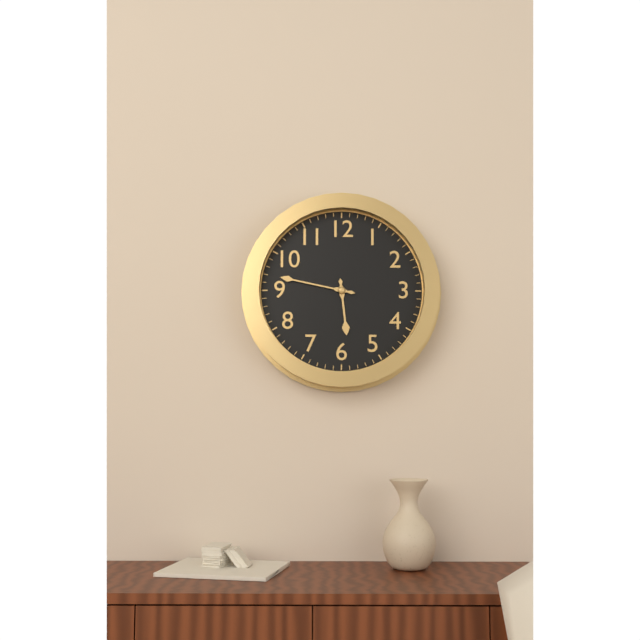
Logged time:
5:47
